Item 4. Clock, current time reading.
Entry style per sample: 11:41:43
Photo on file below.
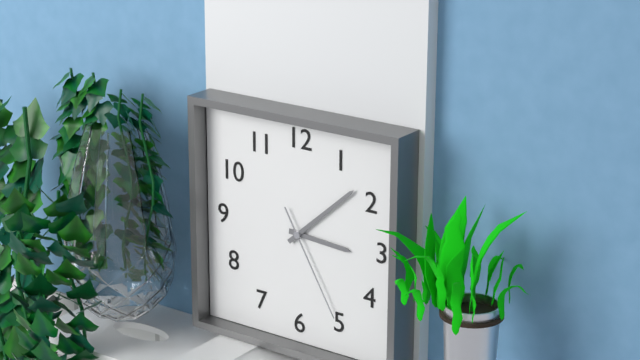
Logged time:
3:08:25
